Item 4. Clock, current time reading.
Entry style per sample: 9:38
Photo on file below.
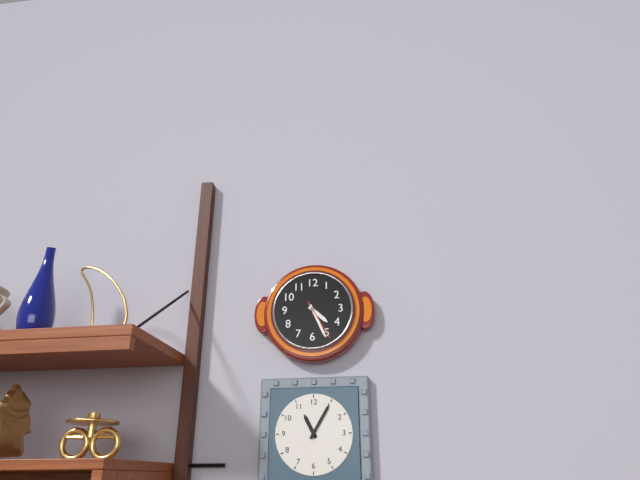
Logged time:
4:26
